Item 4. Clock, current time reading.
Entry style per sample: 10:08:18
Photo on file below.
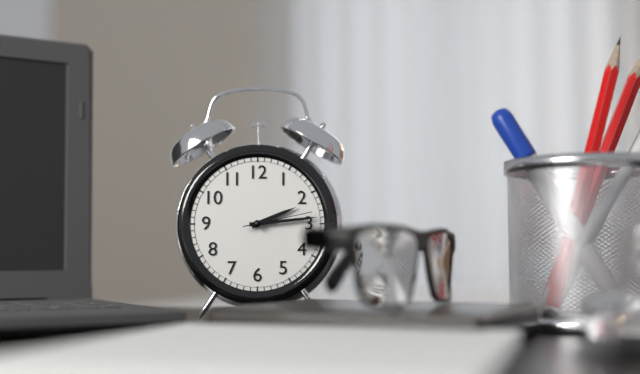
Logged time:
2:14:13
